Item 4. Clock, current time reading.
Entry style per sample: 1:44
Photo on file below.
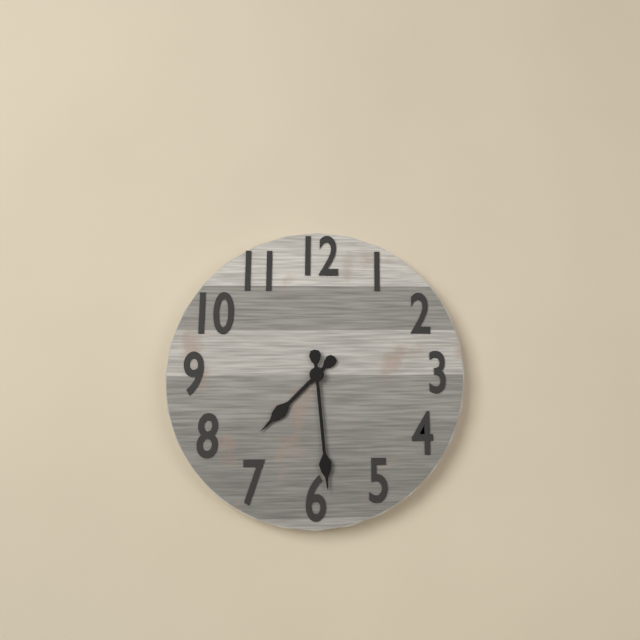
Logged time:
7:29
